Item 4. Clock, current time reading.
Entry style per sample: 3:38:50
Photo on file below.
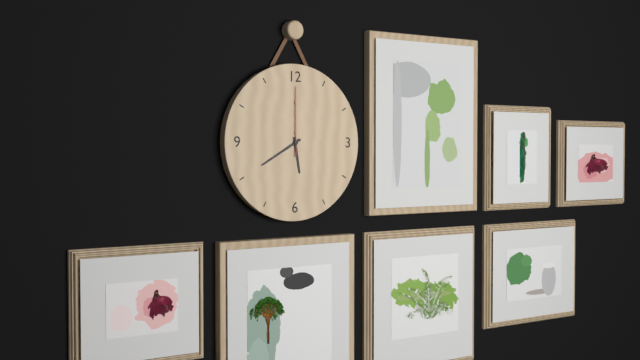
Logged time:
5:40:00
